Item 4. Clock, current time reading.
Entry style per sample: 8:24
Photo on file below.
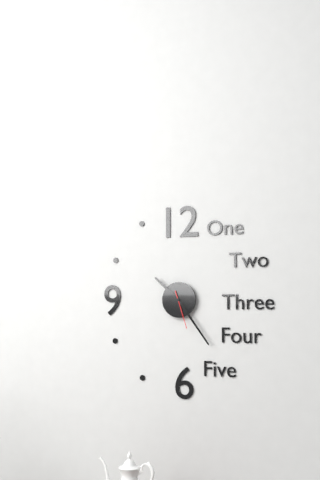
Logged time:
10:24
